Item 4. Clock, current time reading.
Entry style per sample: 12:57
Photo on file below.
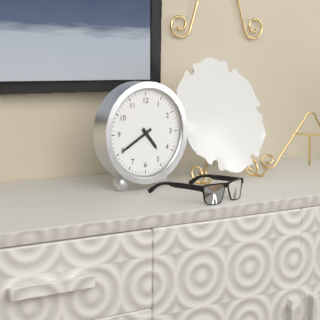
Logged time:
4:40
